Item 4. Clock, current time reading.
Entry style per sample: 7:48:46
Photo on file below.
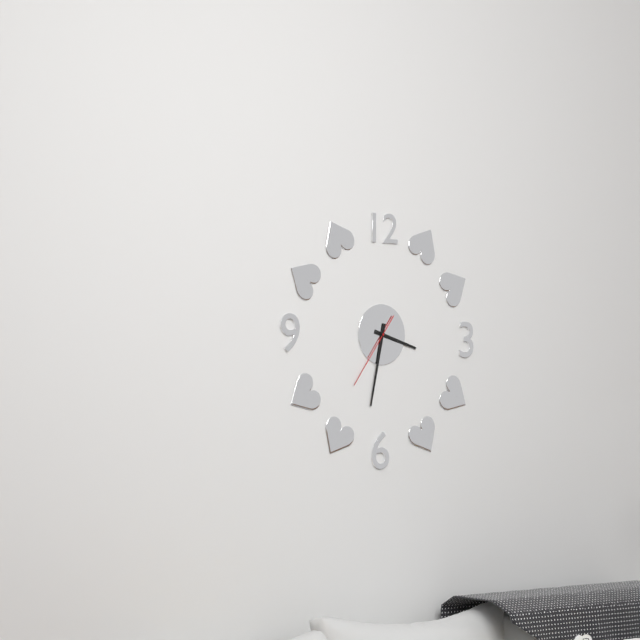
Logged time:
3:32:36
